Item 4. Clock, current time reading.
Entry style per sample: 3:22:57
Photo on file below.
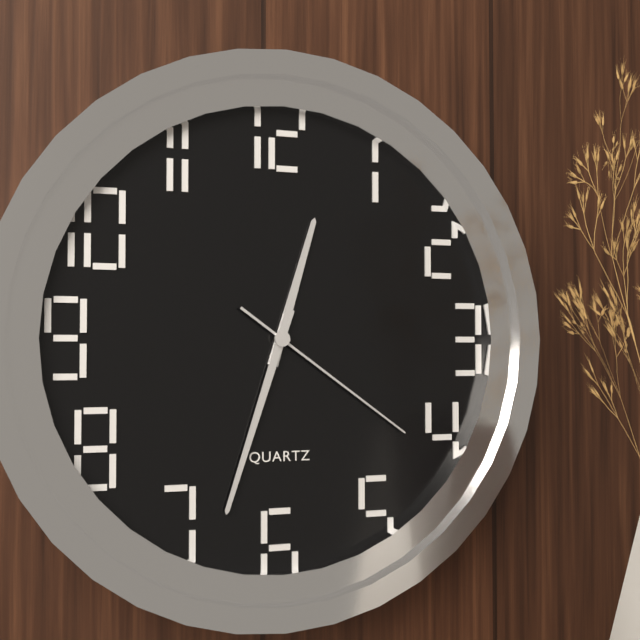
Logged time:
12:33:21
